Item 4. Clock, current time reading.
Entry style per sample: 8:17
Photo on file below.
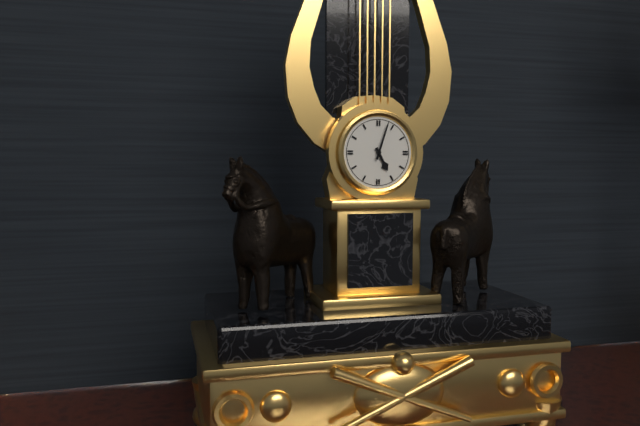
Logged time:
5:03
